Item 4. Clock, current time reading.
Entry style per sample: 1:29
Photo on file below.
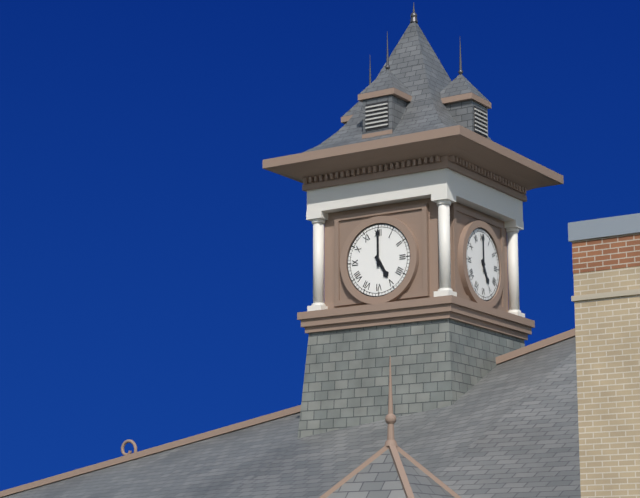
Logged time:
5:00
